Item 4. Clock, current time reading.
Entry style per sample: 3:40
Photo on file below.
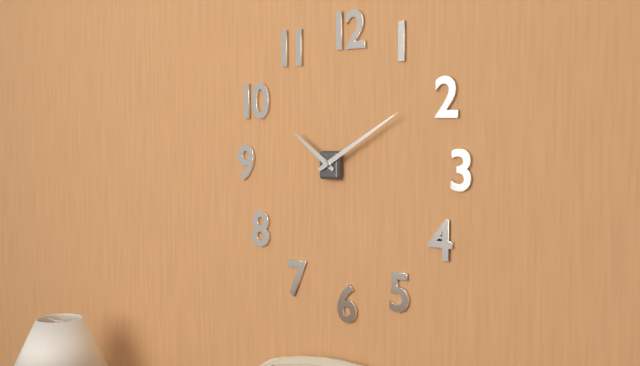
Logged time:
10:10
